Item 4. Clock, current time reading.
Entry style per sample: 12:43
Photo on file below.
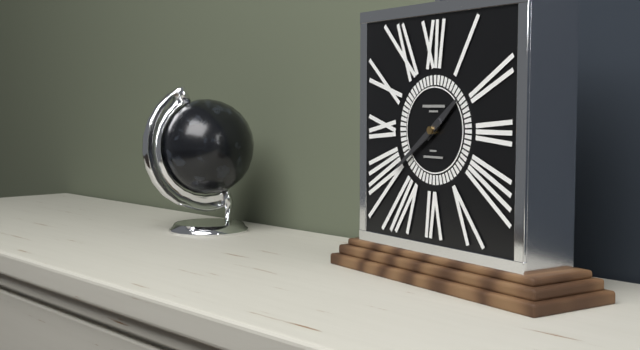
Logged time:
1:39
